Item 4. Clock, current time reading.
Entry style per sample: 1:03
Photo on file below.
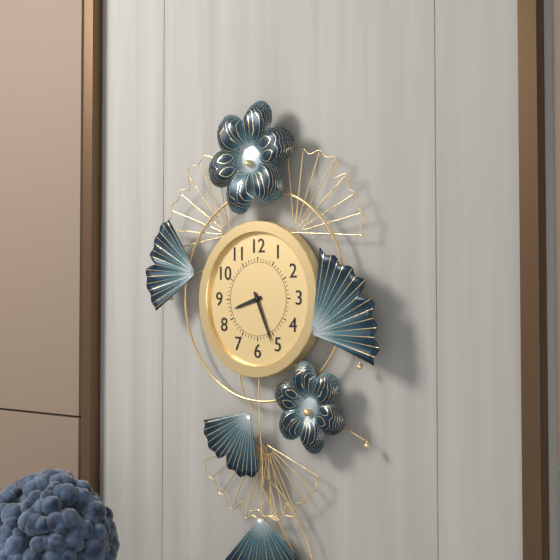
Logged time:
8:26
